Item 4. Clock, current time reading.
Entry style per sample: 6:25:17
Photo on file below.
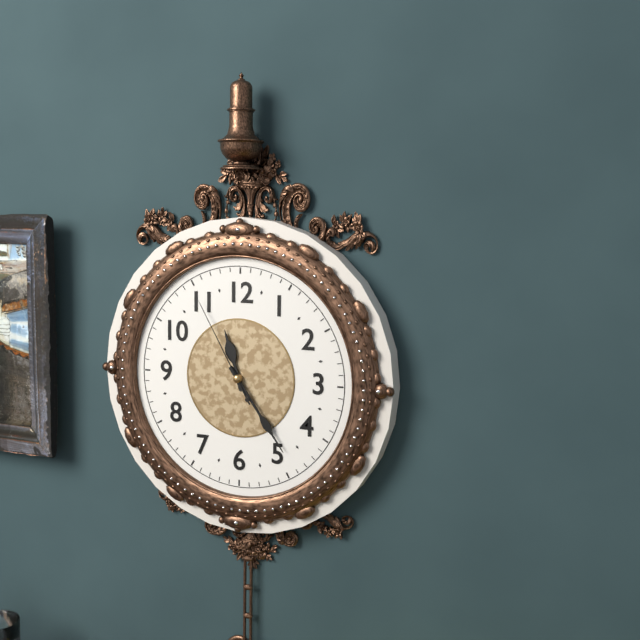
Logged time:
11:24:55
